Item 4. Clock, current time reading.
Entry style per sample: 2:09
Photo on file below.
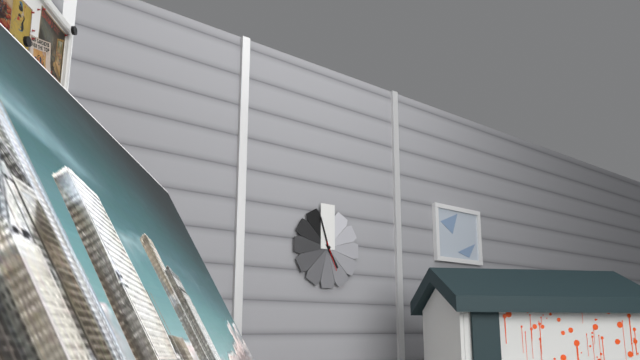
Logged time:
4:57
